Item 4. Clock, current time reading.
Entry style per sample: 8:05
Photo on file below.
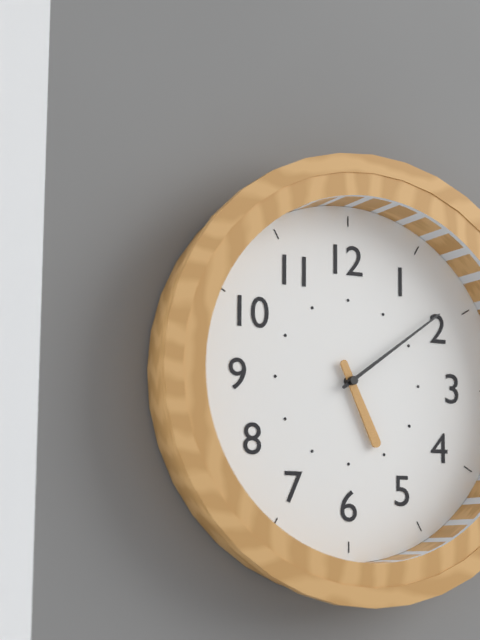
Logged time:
5:09
